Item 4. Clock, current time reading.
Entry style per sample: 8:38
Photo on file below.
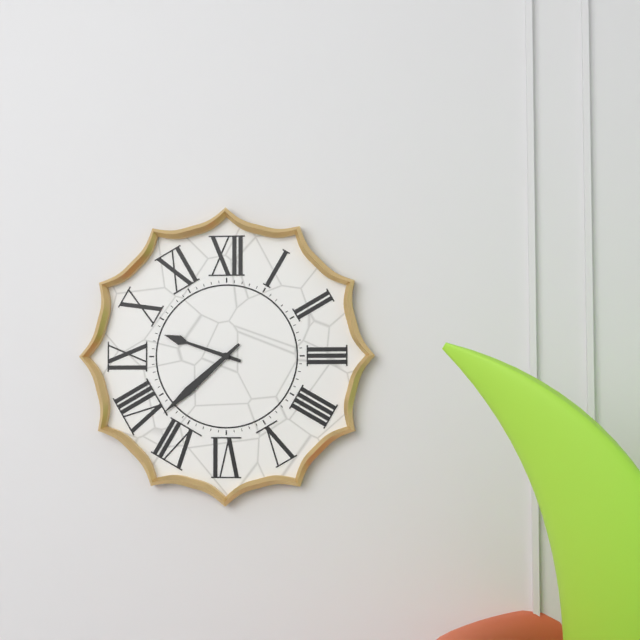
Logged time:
9:38
